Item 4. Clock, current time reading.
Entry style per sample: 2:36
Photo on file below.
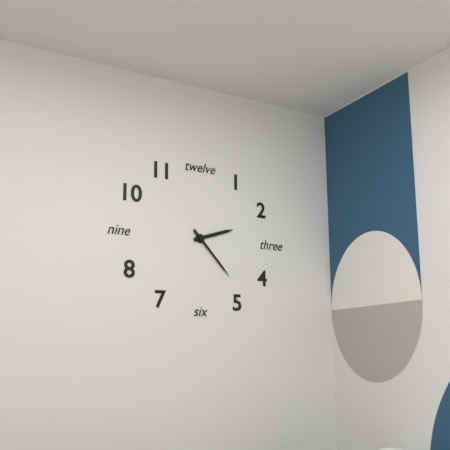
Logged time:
2:23
